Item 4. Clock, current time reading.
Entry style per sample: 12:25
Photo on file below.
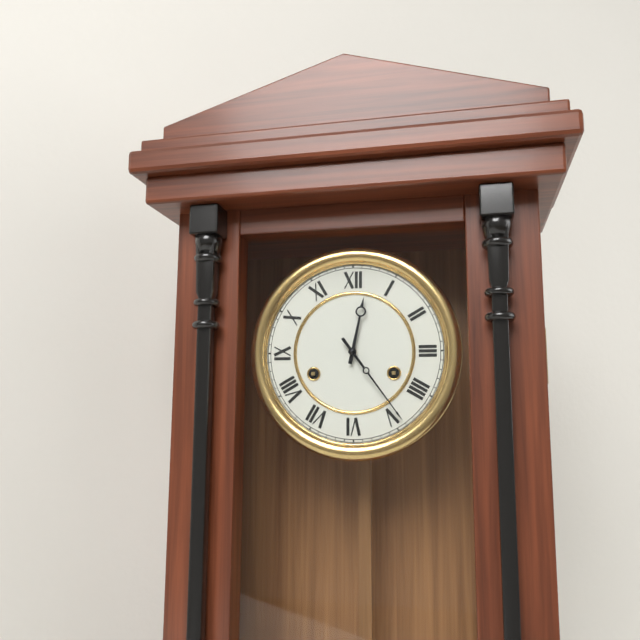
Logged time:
12:24
